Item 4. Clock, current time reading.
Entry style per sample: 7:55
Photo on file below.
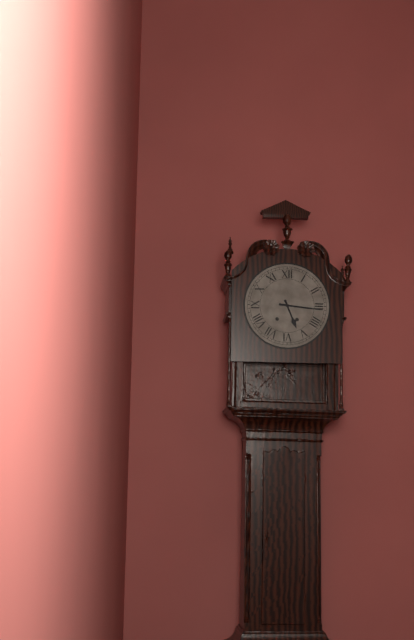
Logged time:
5:16
